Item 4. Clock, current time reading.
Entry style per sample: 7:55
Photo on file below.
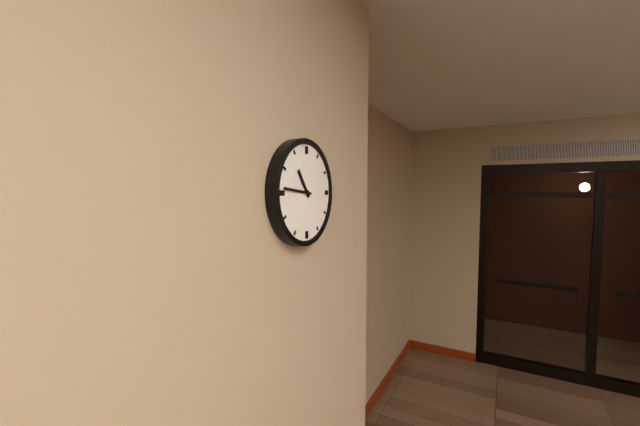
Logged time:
10:46
